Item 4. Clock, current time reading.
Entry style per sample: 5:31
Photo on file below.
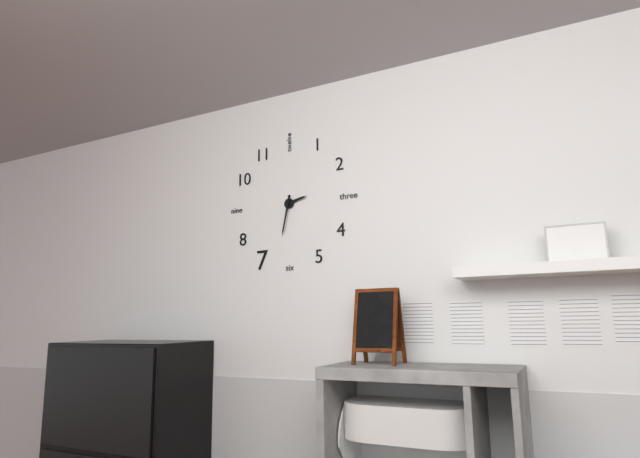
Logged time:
2:32
